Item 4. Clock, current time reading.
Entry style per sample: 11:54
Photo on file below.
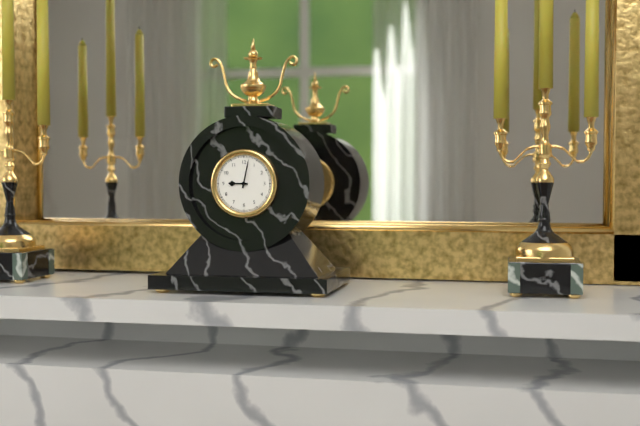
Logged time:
9:02
